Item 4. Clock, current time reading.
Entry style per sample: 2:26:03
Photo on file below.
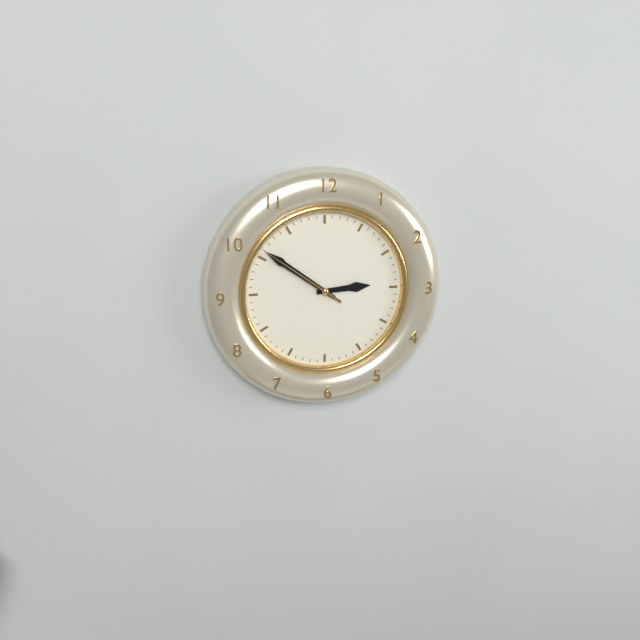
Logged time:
2:51:51
